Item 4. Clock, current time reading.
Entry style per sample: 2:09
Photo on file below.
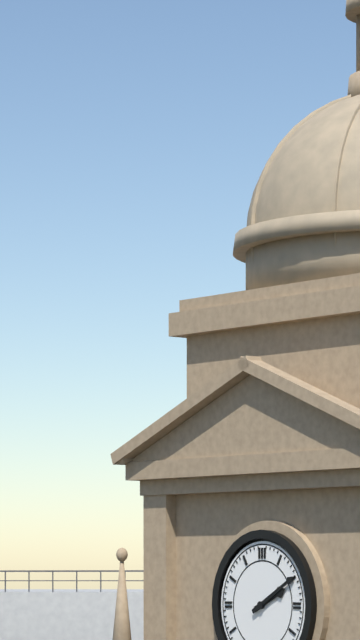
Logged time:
2:10
